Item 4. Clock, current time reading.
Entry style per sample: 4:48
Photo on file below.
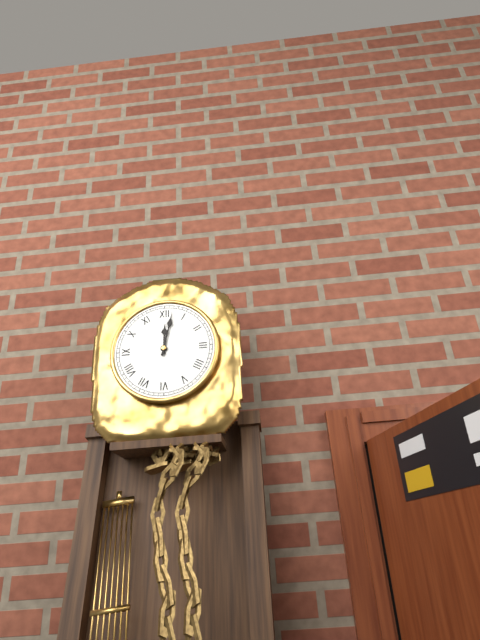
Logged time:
12:02
